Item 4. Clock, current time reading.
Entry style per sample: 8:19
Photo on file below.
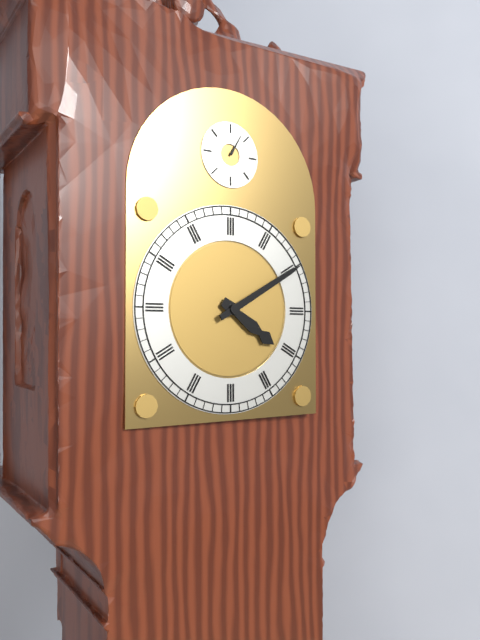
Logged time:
4:10
